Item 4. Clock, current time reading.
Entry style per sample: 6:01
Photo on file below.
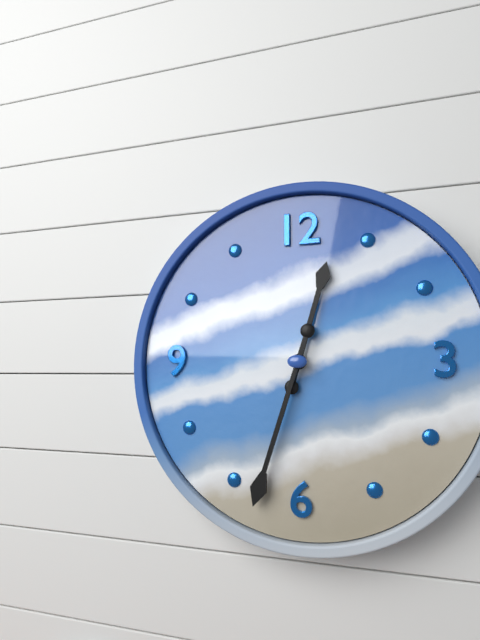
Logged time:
12:33
